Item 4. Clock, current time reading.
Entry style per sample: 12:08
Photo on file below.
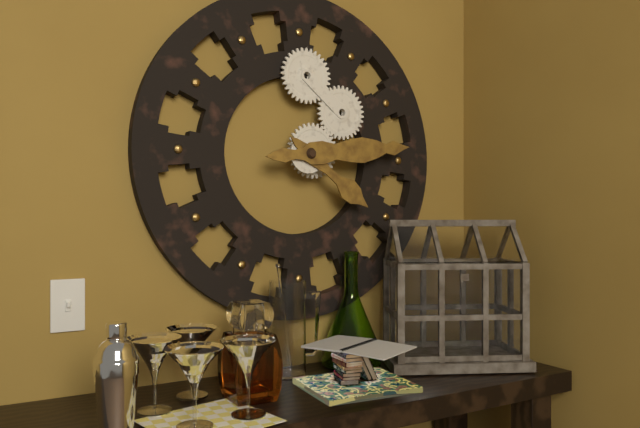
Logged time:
4:14
